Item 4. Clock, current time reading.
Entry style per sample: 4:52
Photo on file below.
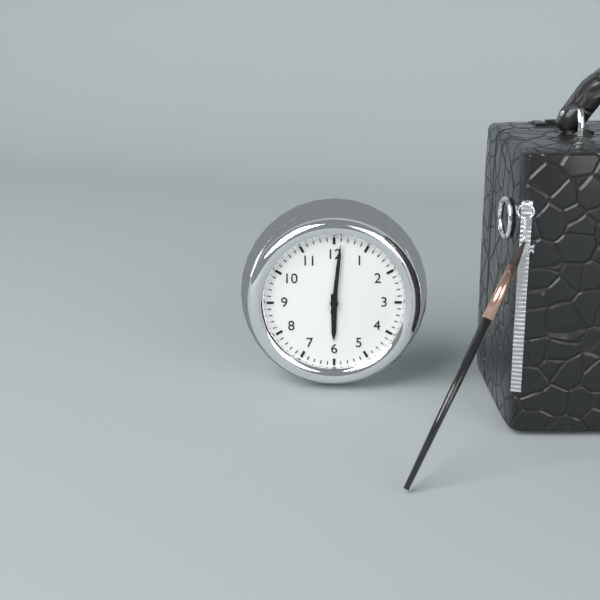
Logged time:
6:01
